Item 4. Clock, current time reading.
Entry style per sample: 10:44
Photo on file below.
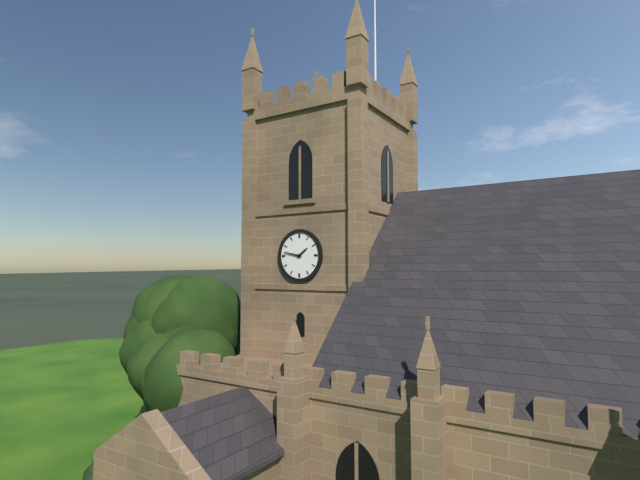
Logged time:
1:47
